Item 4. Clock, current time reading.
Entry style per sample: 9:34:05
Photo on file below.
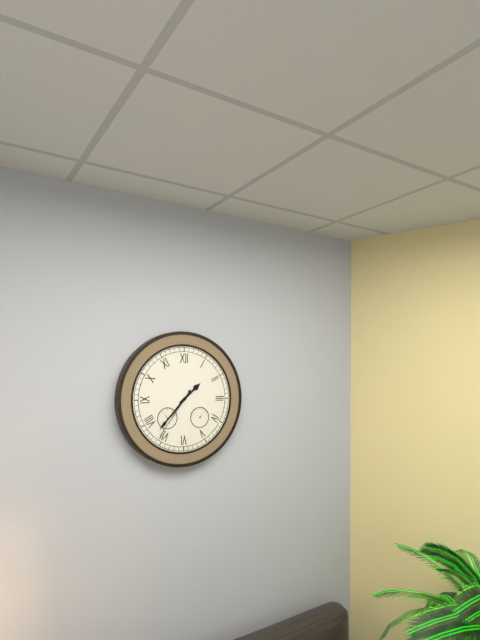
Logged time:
1:37:36
